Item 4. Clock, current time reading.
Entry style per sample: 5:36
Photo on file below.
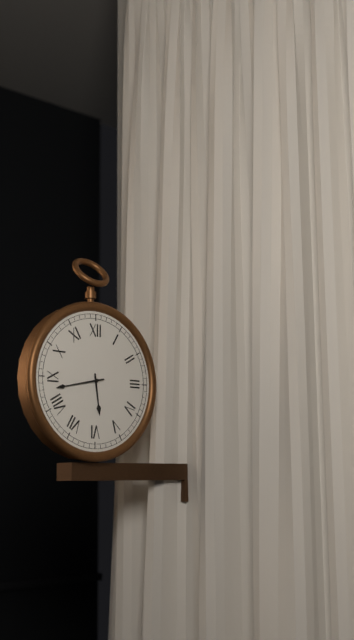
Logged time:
5:43
